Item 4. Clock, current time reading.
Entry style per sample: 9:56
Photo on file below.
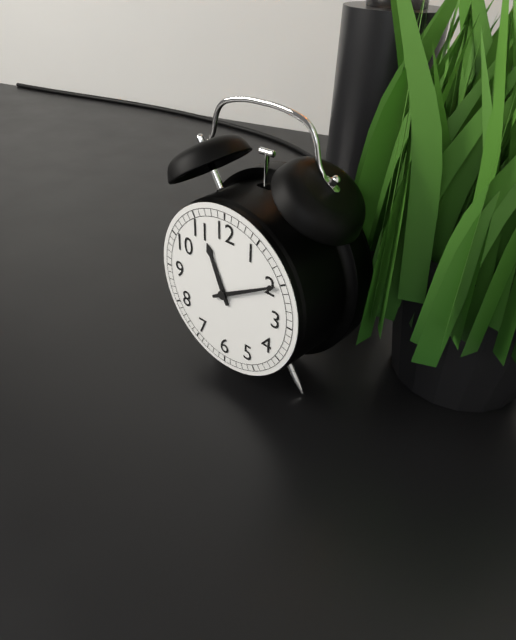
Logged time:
11:10
